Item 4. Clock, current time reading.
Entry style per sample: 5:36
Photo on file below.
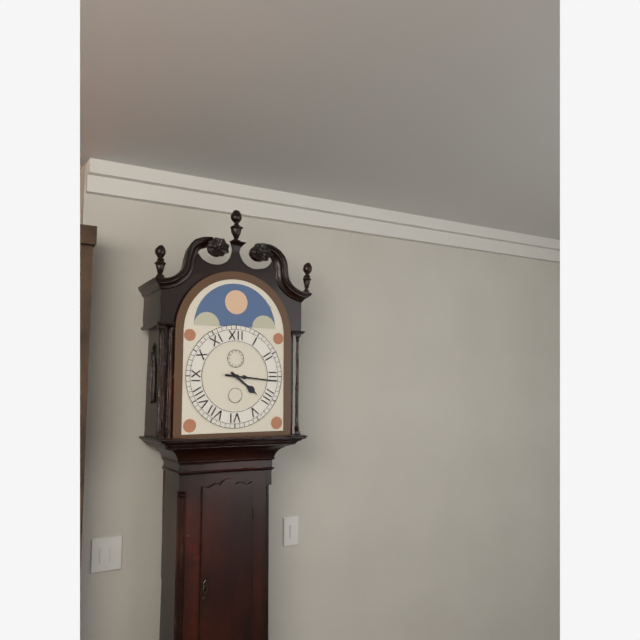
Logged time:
4:16
